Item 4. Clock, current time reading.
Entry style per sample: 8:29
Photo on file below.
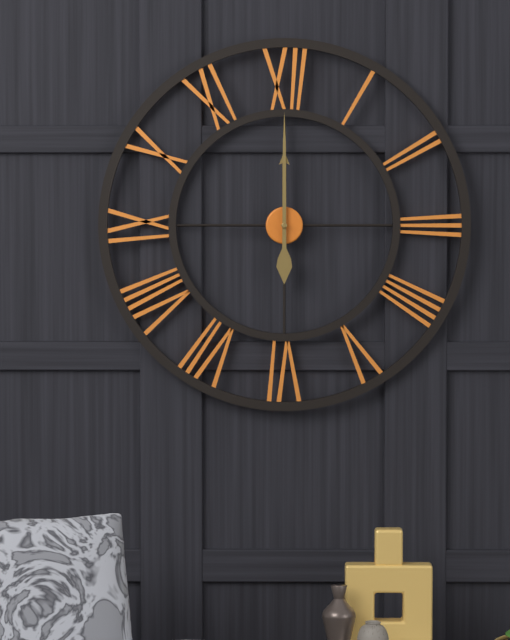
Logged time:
12:00
